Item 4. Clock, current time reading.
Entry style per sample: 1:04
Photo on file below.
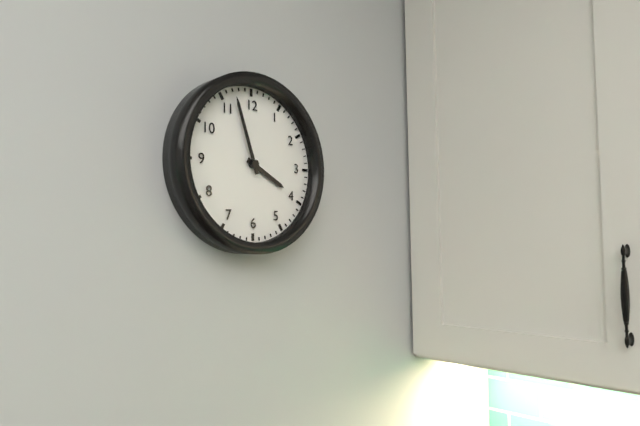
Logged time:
3:57
